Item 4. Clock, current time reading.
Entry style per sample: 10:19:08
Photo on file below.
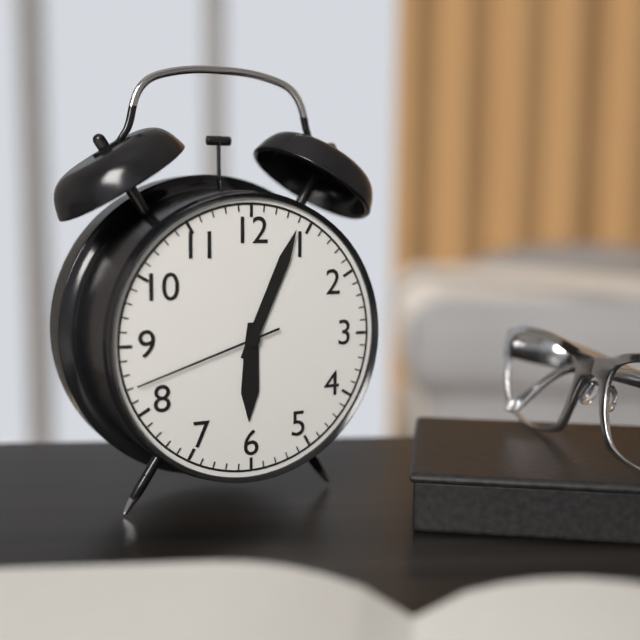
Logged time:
6:04:42
